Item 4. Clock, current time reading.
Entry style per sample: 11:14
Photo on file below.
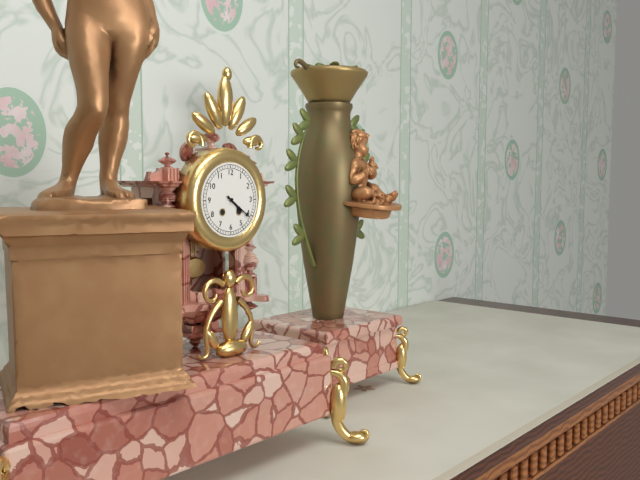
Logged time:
4:21
